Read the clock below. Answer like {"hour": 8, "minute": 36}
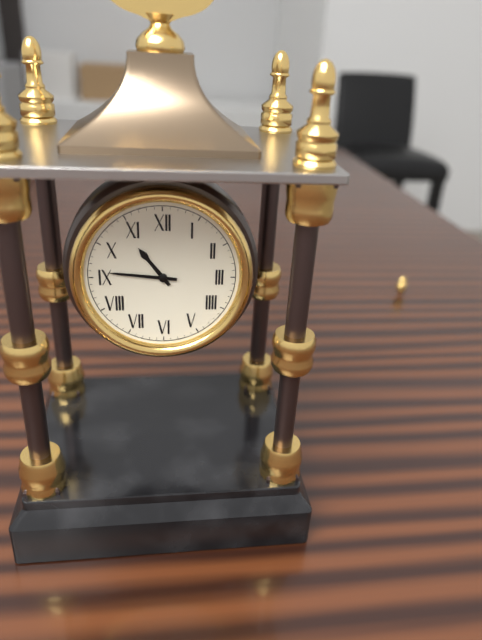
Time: {"hour": 10, "minute": 46}
